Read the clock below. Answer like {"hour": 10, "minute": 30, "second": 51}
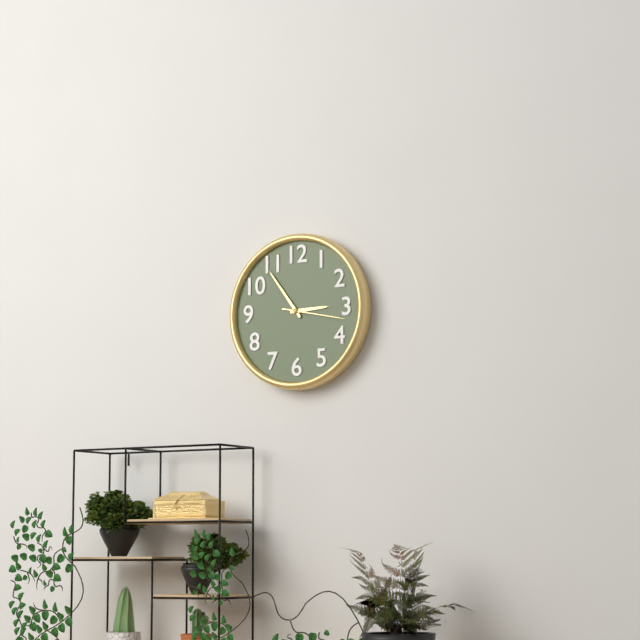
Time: {"hour": 2, "minute": 54, "second": 17}
